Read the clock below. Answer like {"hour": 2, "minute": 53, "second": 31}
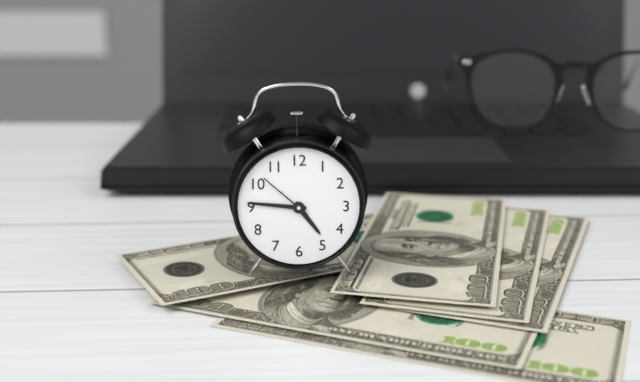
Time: {"hour": 4, "minute": 46, "second": 52}
